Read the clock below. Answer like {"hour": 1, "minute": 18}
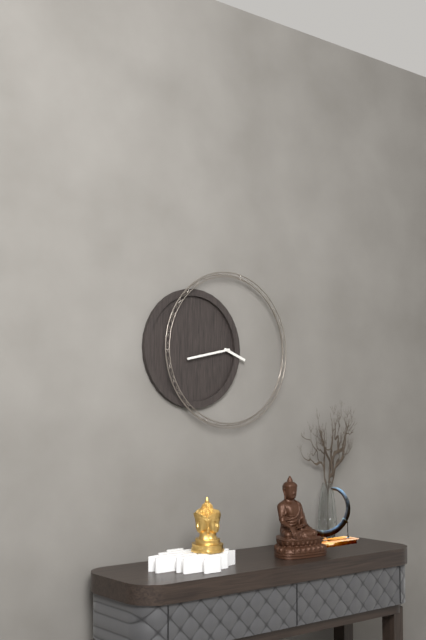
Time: {"hour": 3, "minute": 43}
